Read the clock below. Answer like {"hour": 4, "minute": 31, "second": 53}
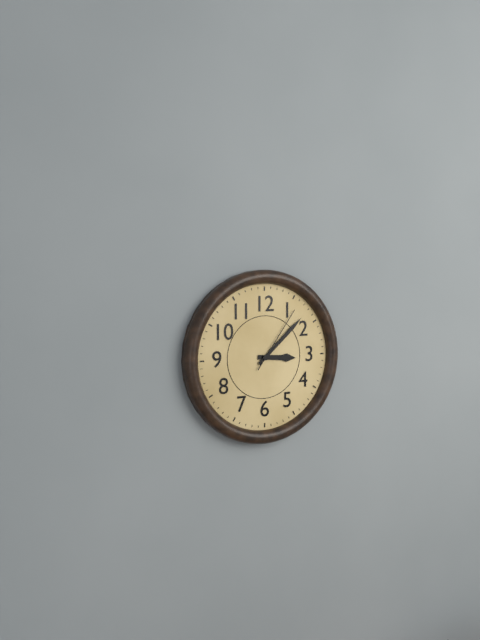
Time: {"hour": 3, "minute": 8, "second": 6}
